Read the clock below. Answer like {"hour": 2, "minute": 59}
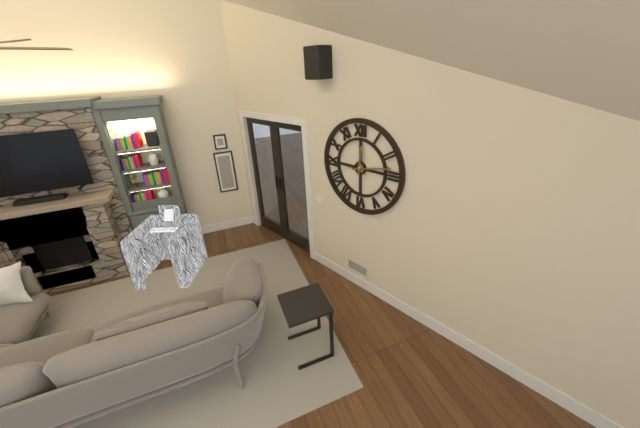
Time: {"hour": 12, "minute": 13}
